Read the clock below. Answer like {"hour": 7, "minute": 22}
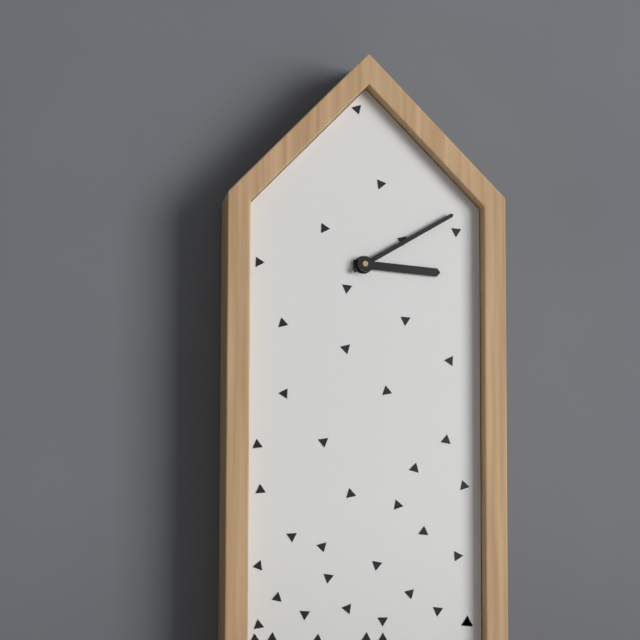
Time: {"hour": 3, "minute": 10}
